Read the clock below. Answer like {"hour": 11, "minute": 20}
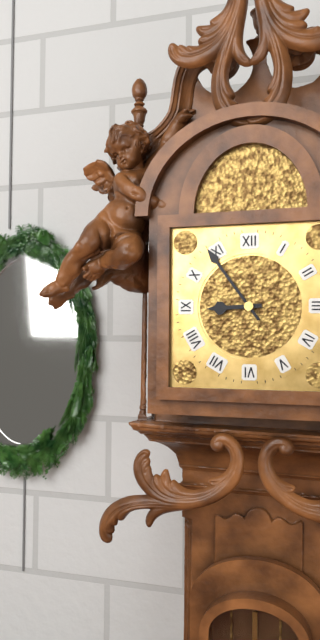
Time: {"hour": 8, "minute": 54}
